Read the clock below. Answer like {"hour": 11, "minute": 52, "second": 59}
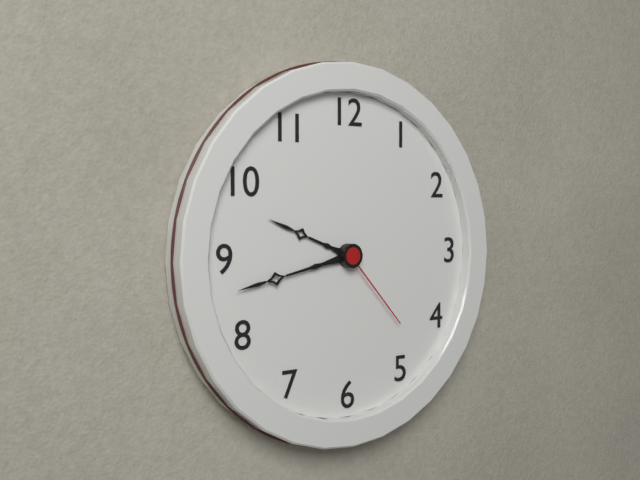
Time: {"hour": 9, "minute": 43, "second": 23}
